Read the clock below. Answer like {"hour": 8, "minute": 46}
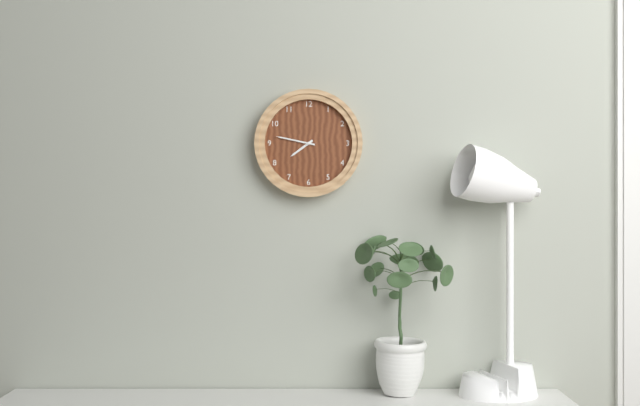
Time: {"hour": 7, "minute": 47}
